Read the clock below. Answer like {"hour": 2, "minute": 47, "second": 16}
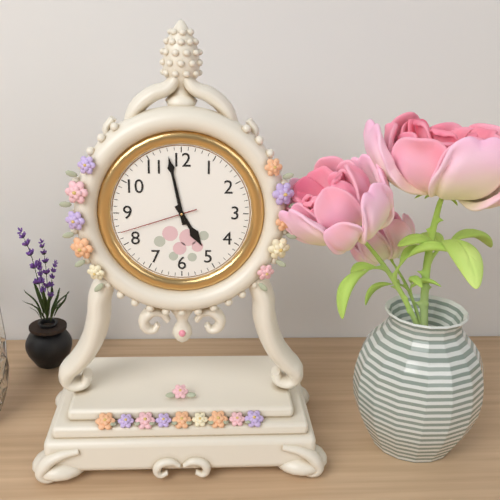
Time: {"hour": 4, "minute": 58, "second": 42}
